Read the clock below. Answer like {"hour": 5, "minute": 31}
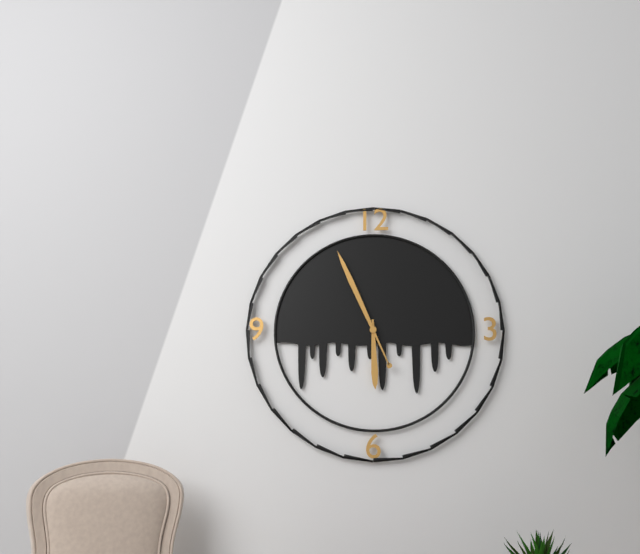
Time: {"hour": 5, "minute": 56}
